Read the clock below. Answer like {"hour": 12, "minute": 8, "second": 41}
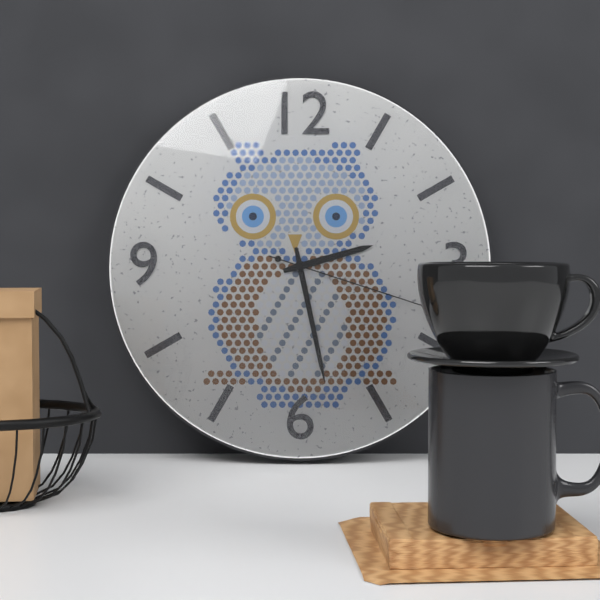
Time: {"hour": 2, "minute": 28, "second": 18}
